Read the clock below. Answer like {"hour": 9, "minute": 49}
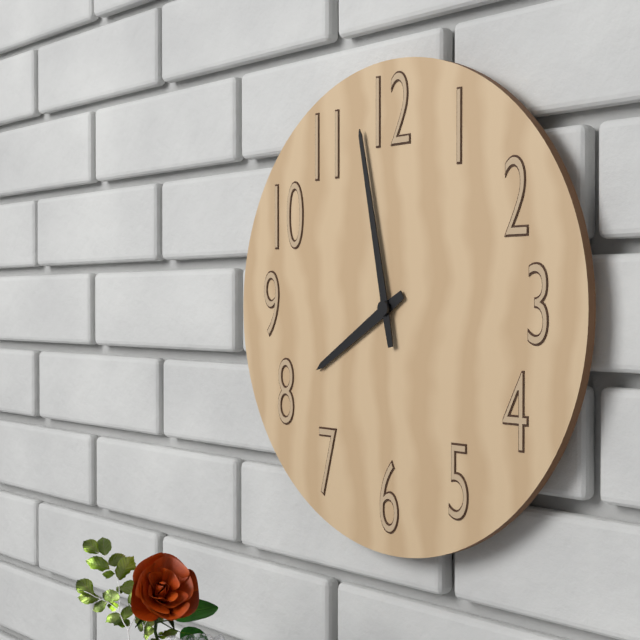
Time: {"hour": 7, "minute": 58}
